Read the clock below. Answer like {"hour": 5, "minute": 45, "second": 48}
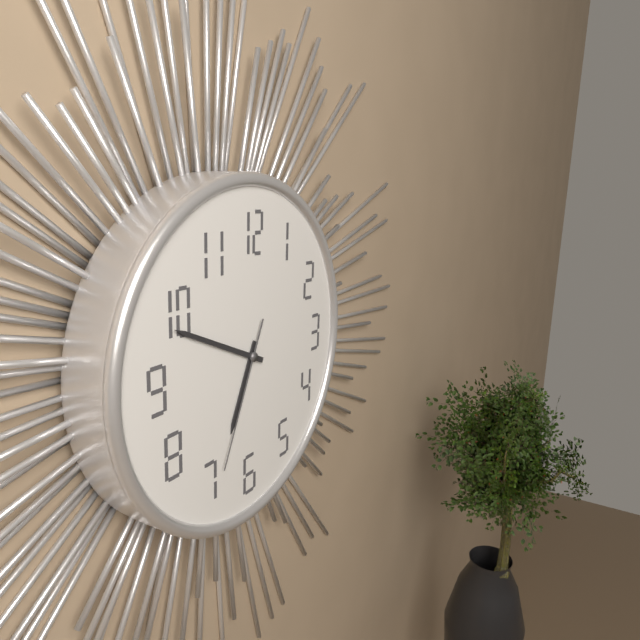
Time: {"hour": 6, "minute": 49, "second": 34}
